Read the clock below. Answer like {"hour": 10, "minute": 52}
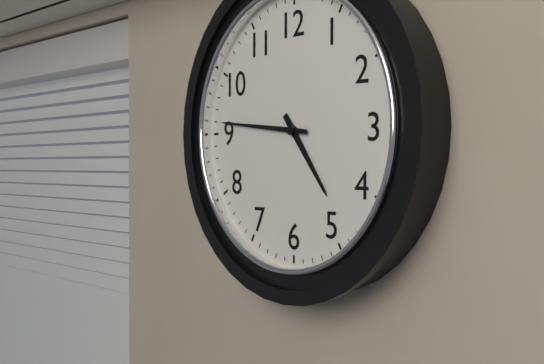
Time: {"hour": 4, "minute": 46}
